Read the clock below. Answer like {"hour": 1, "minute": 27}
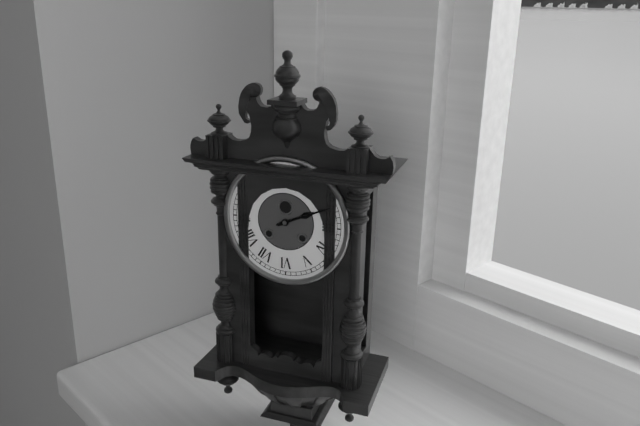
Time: {"hour": 2, "minute": 11}
